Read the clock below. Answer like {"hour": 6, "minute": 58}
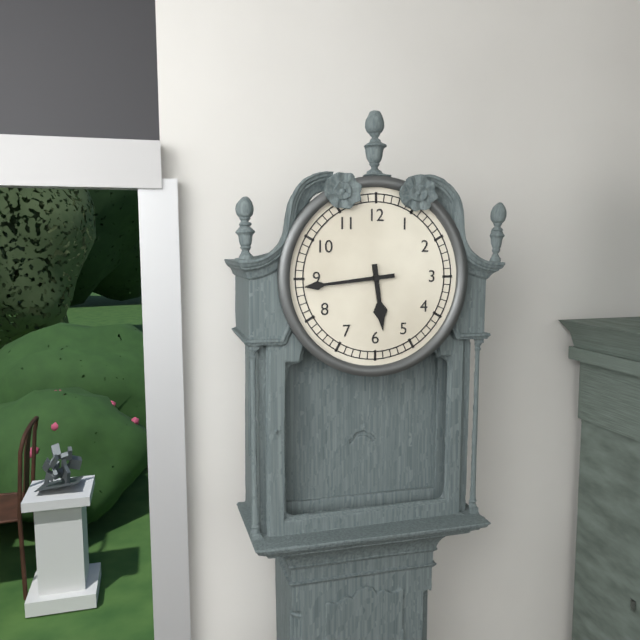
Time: {"hour": 5, "minute": 44}
